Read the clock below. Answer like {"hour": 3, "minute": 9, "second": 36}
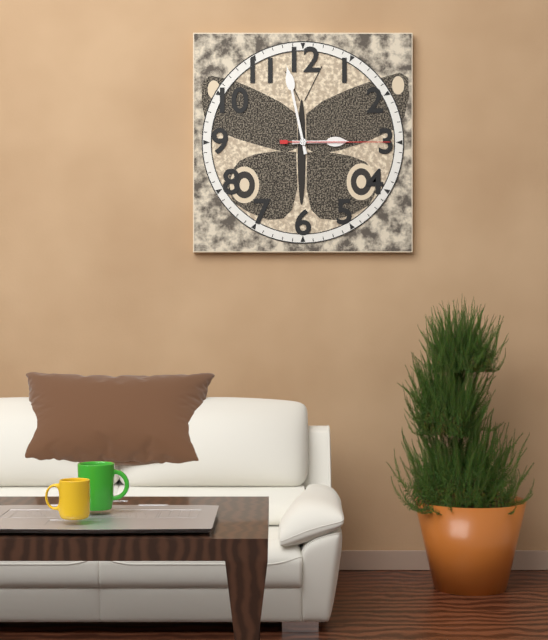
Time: {"hour": 2, "minute": 58, "second": 15}
